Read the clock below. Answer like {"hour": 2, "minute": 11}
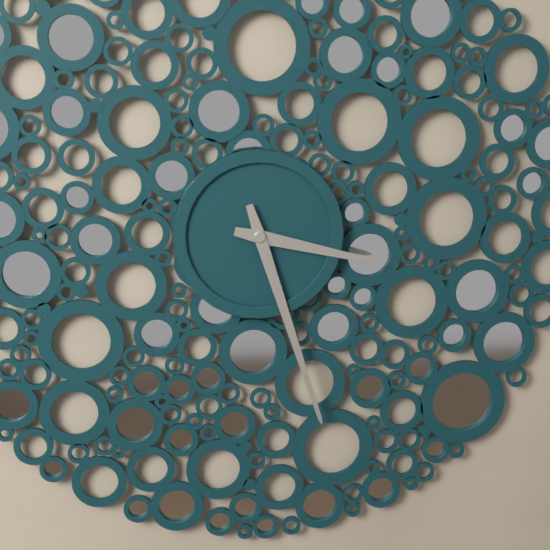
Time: {"hour": 3, "minute": 27}
